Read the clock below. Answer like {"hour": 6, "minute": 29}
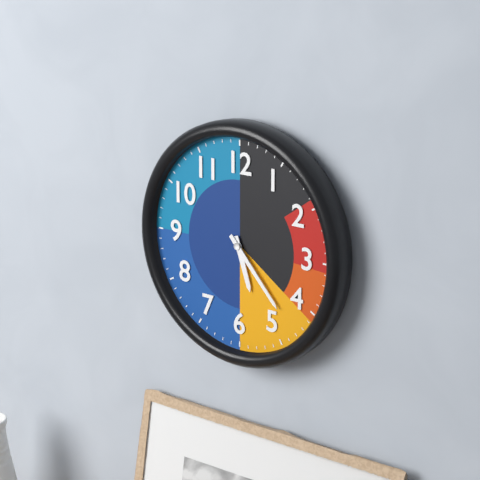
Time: {"hour": 5, "minute": 23}
